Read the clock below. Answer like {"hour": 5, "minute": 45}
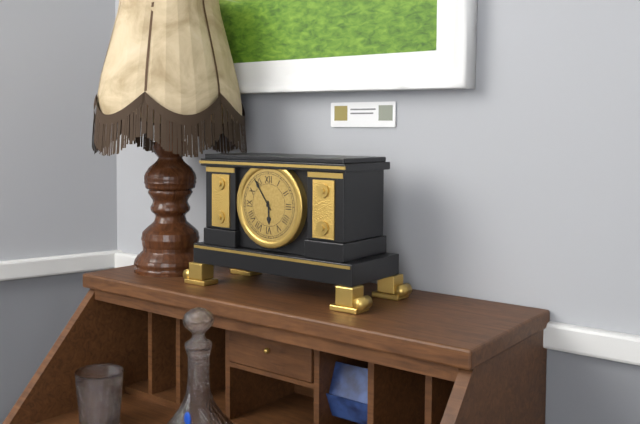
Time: {"hour": 5, "minute": 54}
